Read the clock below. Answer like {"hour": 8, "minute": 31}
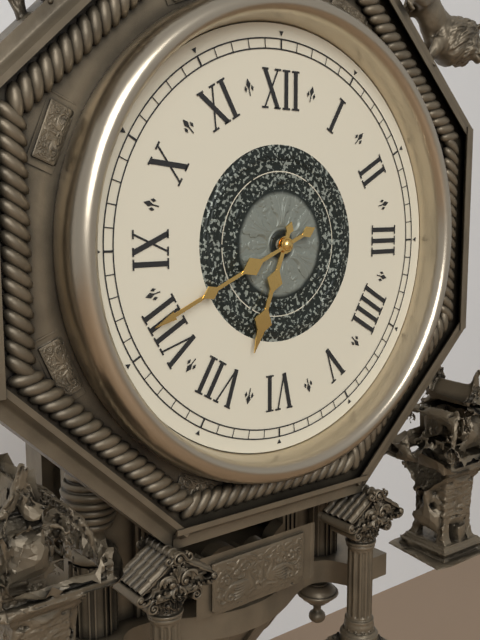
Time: {"hour": 6, "minute": 41}
